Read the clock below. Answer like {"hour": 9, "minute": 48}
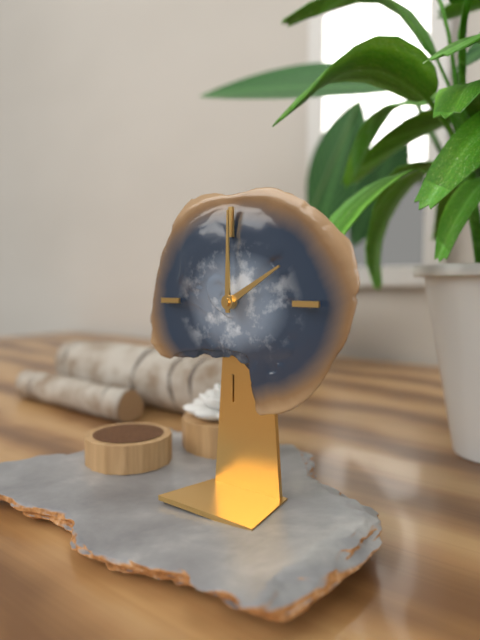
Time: {"hour": 2, "minute": 0}
